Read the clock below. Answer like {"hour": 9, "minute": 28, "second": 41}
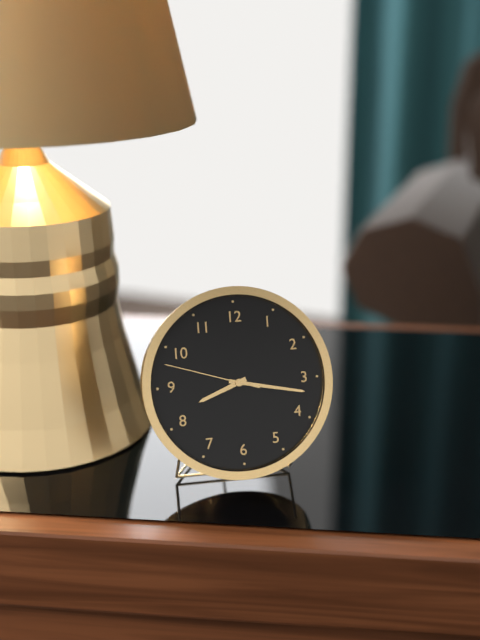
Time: {"hour": 8, "minute": 17, "second": 48}
